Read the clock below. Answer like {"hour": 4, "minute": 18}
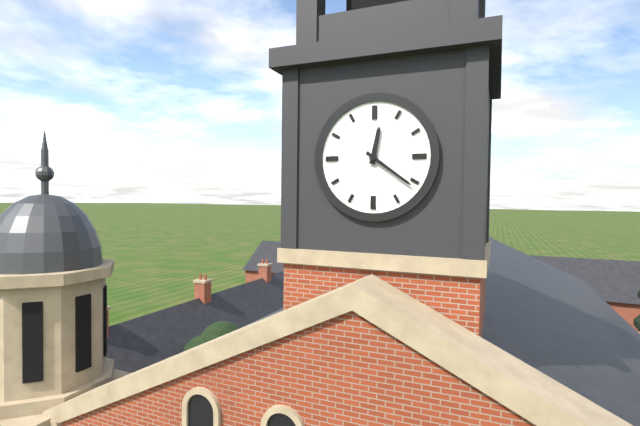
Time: {"hour": 12, "minute": 21}
